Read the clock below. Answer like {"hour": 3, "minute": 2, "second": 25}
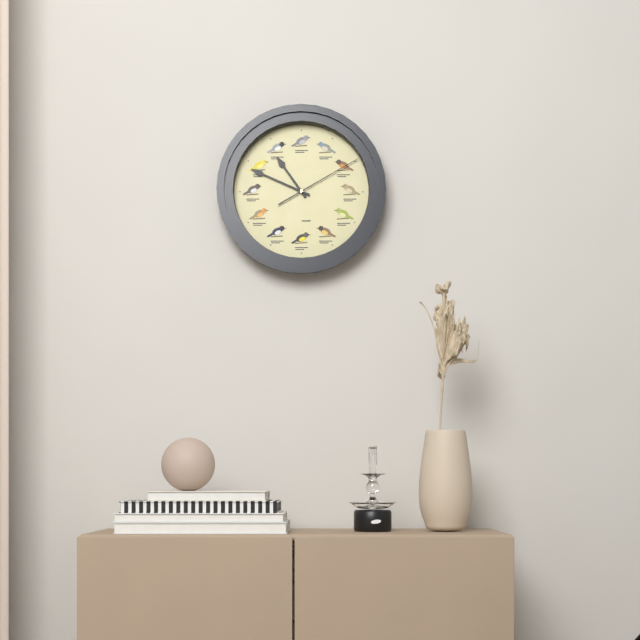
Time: {"hour": 10, "minute": 49, "second": 10}
